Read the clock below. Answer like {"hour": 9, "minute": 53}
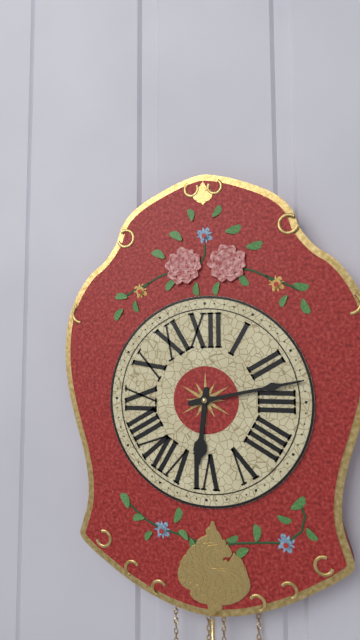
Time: {"hour": 6, "minute": 13}
